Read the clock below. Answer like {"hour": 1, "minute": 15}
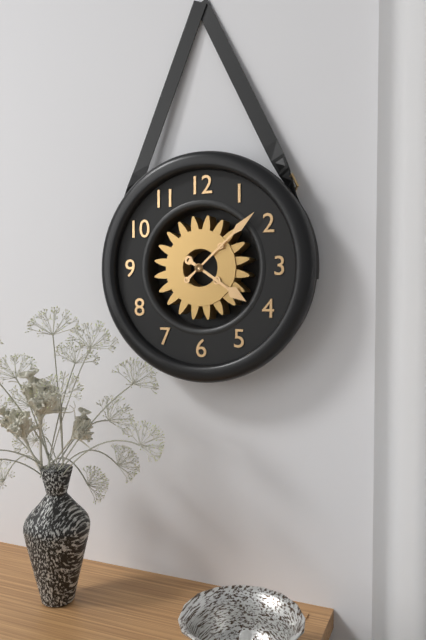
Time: {"hour": 4, "minute": 8}
